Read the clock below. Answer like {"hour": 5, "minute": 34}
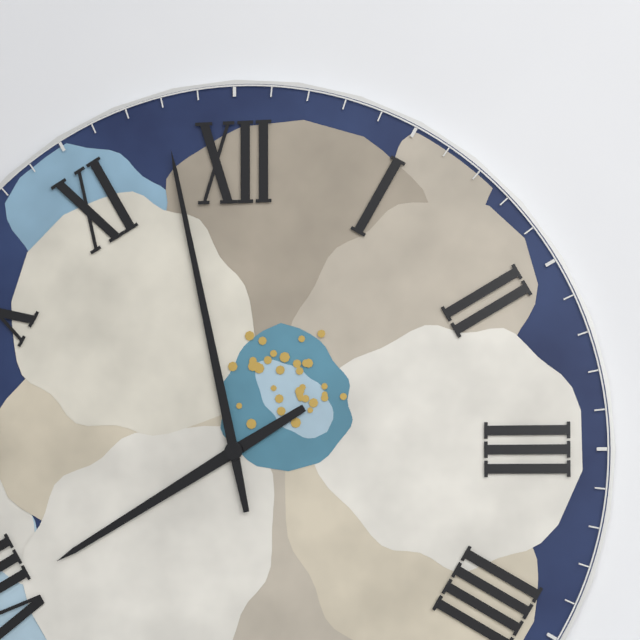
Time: {"hour": 7, "minute": 58}
